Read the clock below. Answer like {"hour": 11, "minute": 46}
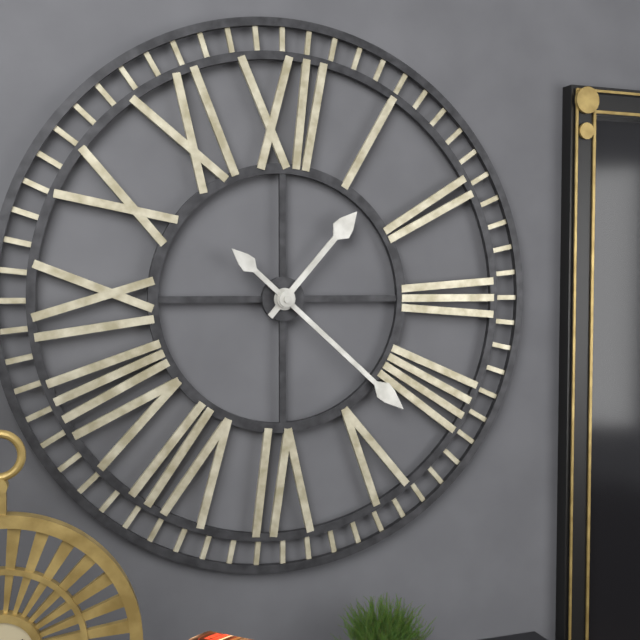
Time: {"hour": 1, "minute": 22}
